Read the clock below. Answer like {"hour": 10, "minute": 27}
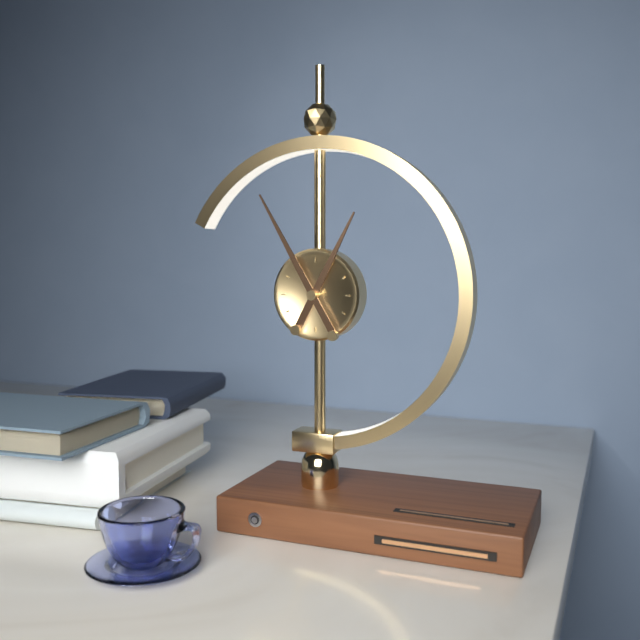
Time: {"hour": 12, "minute": 55}
